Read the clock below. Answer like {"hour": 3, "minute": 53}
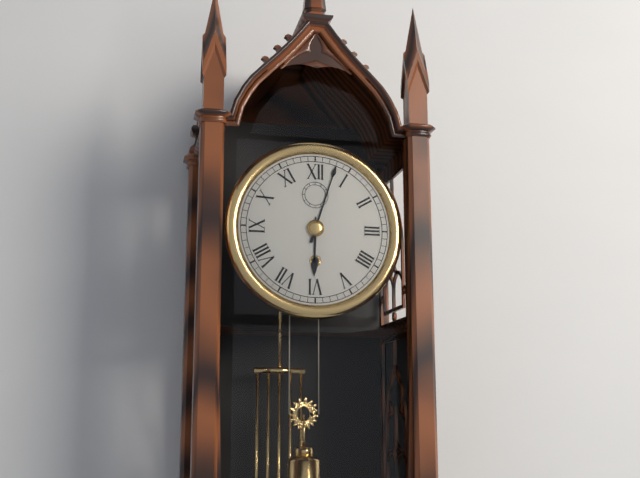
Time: {"hour": 6, "minute": 3}
